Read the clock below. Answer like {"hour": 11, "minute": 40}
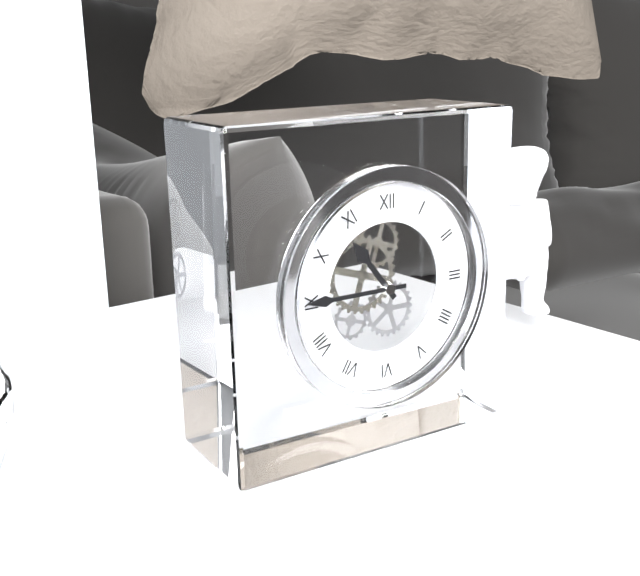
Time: {"hour": 10, "minute": 45}
